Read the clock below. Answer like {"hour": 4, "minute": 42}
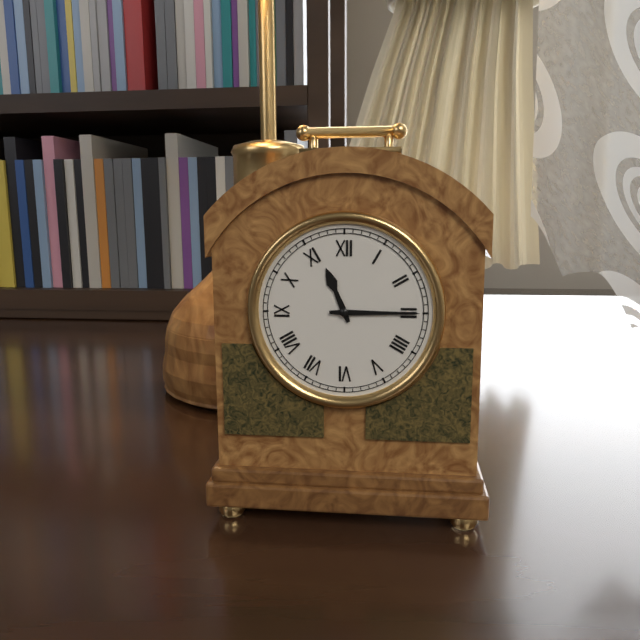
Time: {"hour": 11, "minute": 15}
